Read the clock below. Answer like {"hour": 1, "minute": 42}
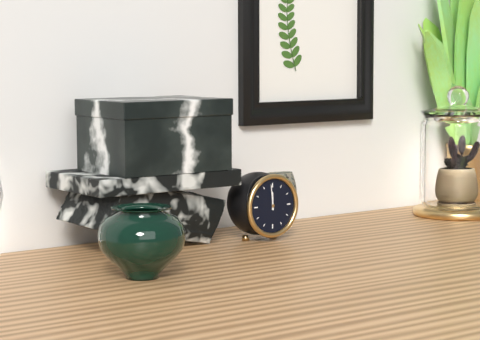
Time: {"hour": 11, "minute": 59}
